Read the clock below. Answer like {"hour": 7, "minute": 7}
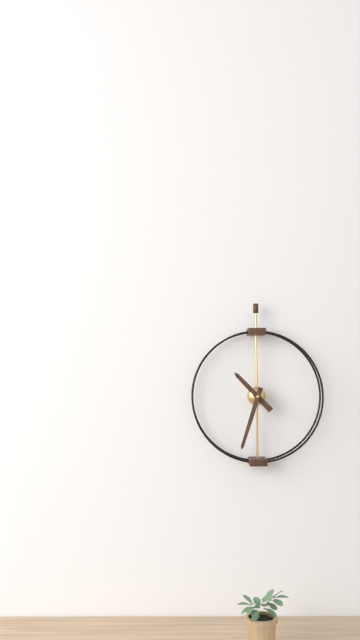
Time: {"hour": 10, "minute": 33}
